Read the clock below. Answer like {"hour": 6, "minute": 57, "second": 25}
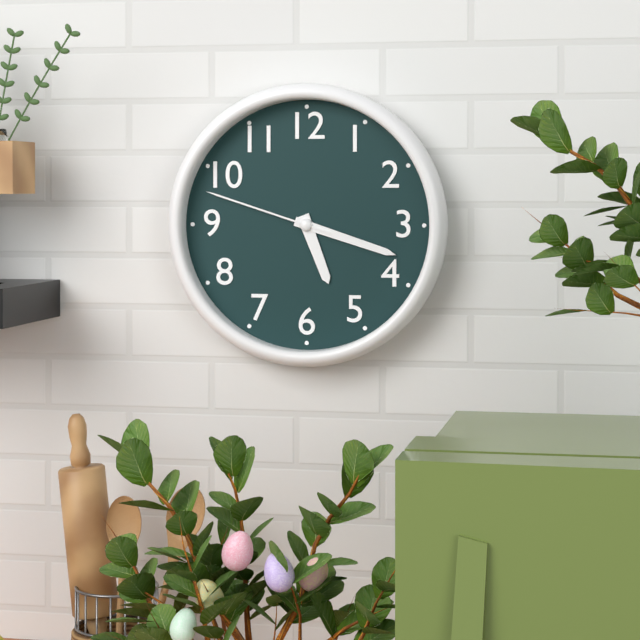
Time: {"hour": 5, "minute": 18, "second": 48}
